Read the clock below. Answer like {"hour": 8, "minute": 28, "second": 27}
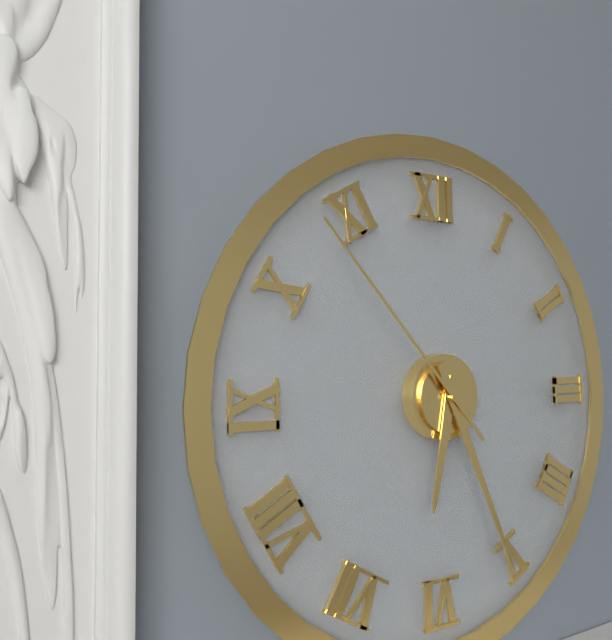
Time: {"hour": 6, "minute": 26, "second": 53}
